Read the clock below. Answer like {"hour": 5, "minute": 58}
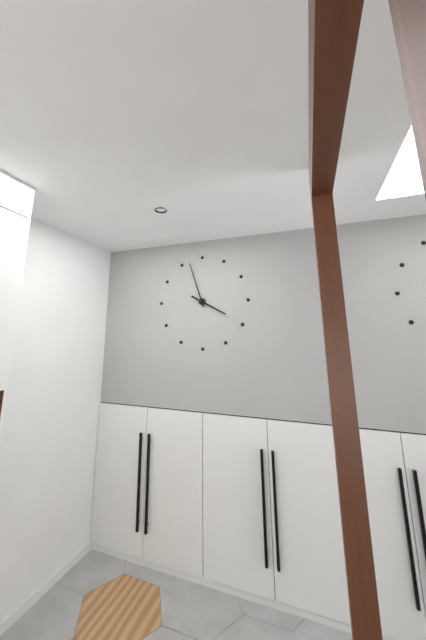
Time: {"hour": 3, "minute": 57}
